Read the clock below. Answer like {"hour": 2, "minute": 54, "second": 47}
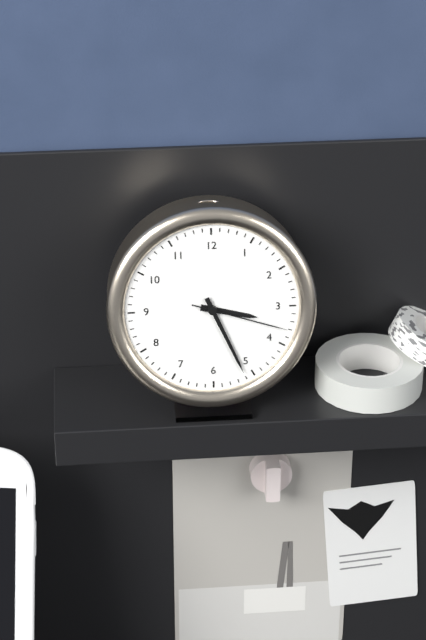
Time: {"hour": 3, "minute": 26, "second": 18}
